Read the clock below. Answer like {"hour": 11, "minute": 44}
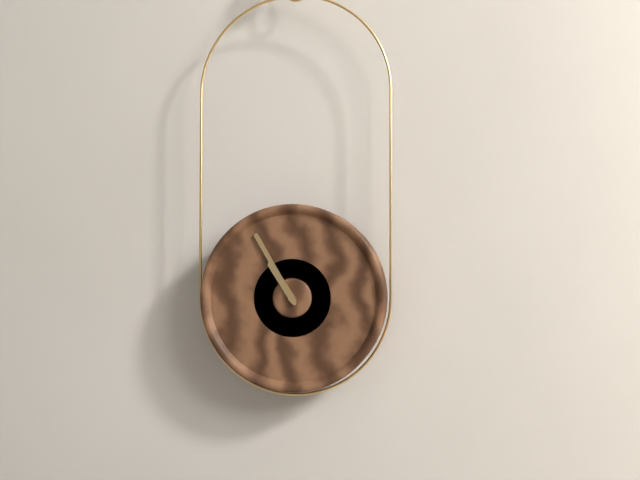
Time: {"hour": 10, "minute": 55}
